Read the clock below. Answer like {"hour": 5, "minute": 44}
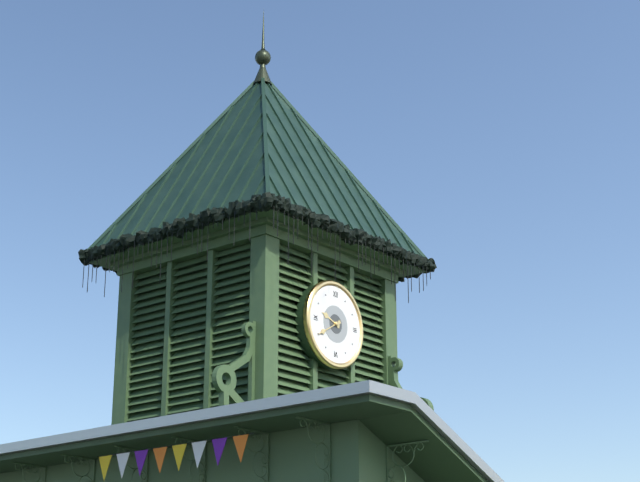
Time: {"hour": 9, "minute": 40}
